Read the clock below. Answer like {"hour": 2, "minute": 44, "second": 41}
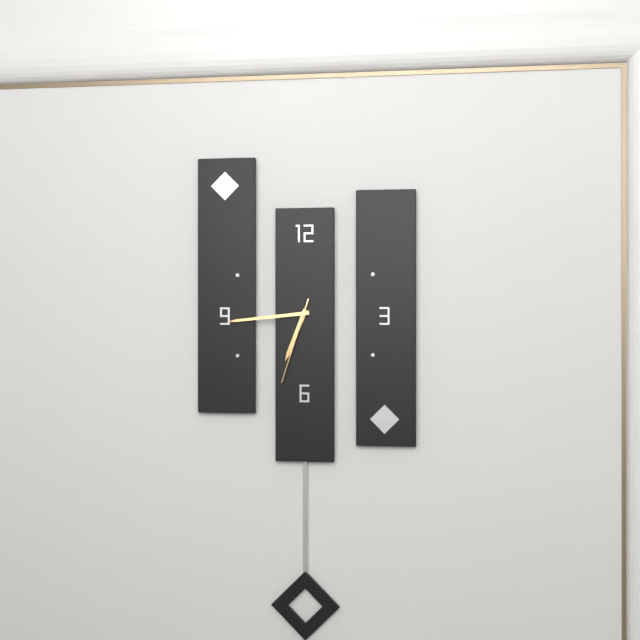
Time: {"hour": 6, "minute": 44, "second": 33}
